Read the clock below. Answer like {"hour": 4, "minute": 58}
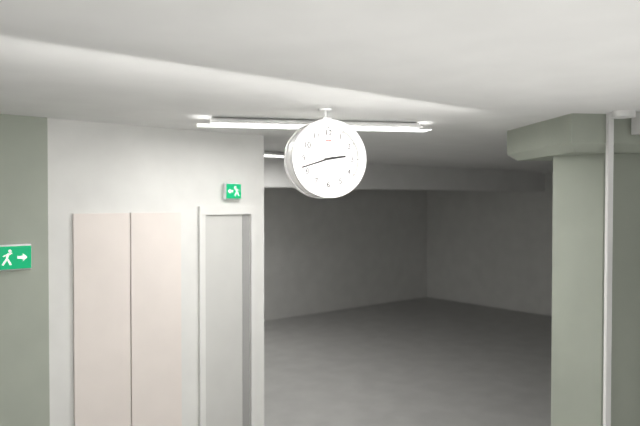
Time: {"hour": 2, "minute": 42}
